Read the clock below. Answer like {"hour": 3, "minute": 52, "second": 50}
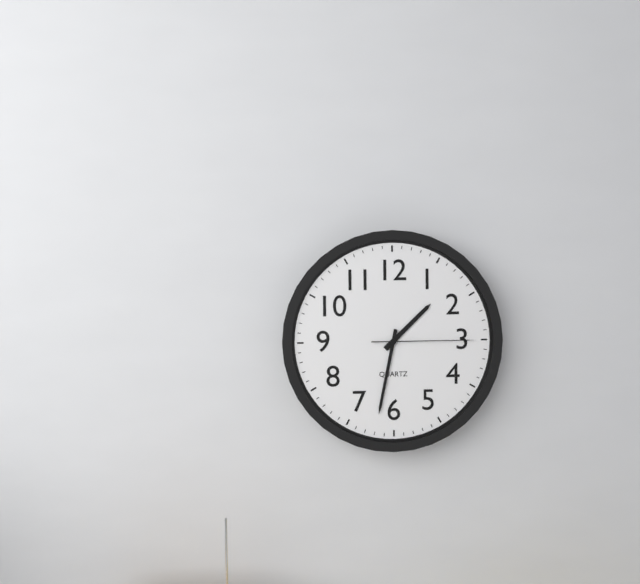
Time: {"hour": 1, "minute": 32, "second": 15}
